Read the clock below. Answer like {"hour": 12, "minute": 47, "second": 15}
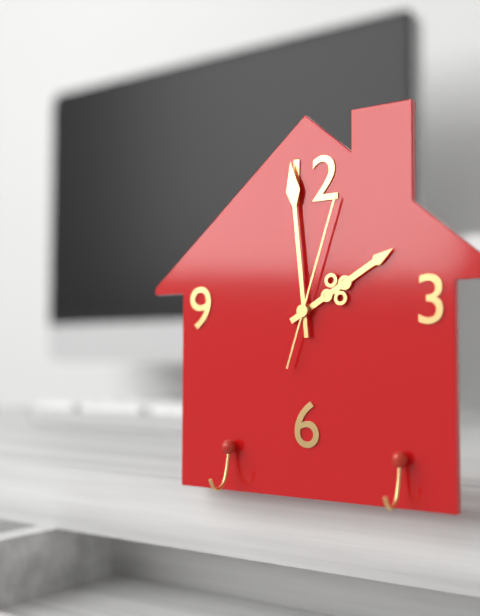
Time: {"hour": 1, "minute": 59, "second": 3}
